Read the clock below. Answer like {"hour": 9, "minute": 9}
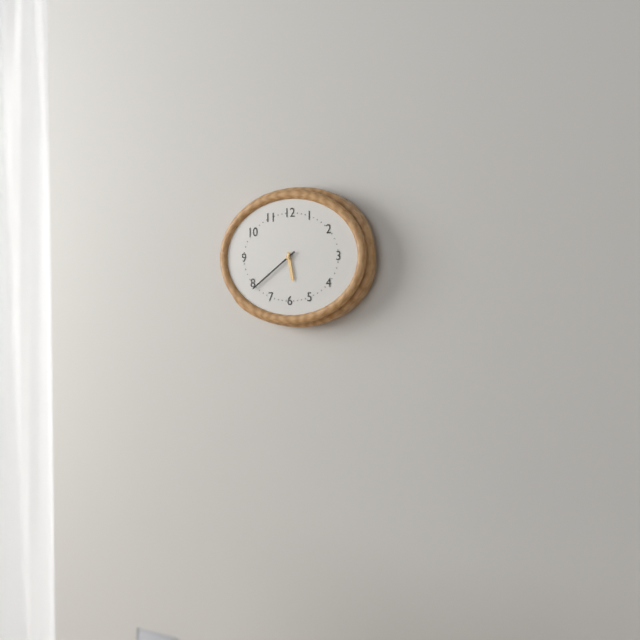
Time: {"hour": 5, "minute": 39}
